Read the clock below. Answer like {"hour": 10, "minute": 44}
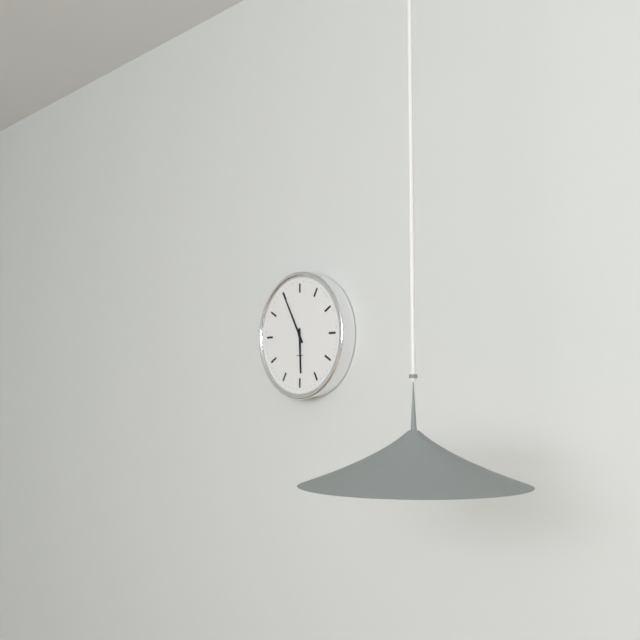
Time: {"hour": 5, "minute": 55}
